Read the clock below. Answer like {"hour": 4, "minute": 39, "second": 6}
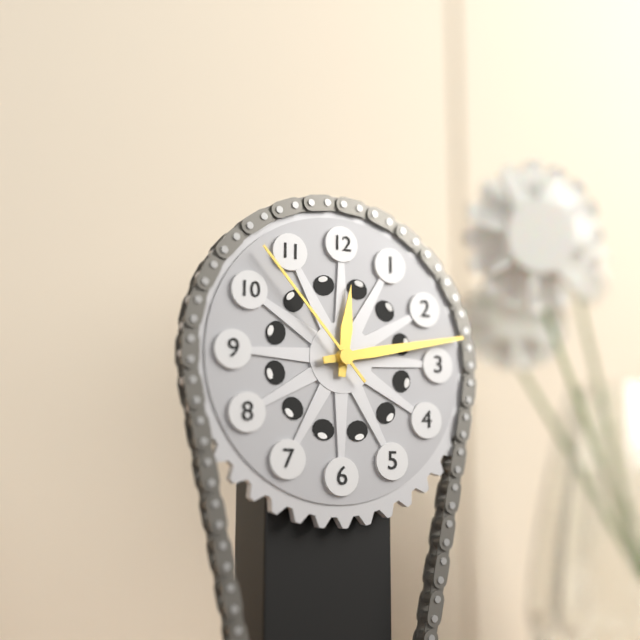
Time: {"hour": 12, "minute": 13, "second": 53}
